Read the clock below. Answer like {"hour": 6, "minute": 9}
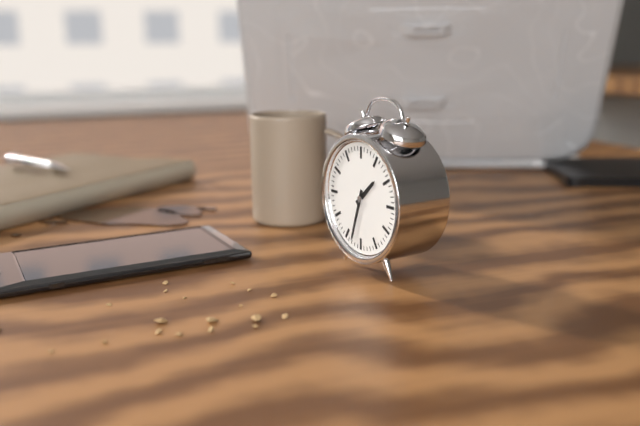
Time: {"hour": 1, "minute": 33}
